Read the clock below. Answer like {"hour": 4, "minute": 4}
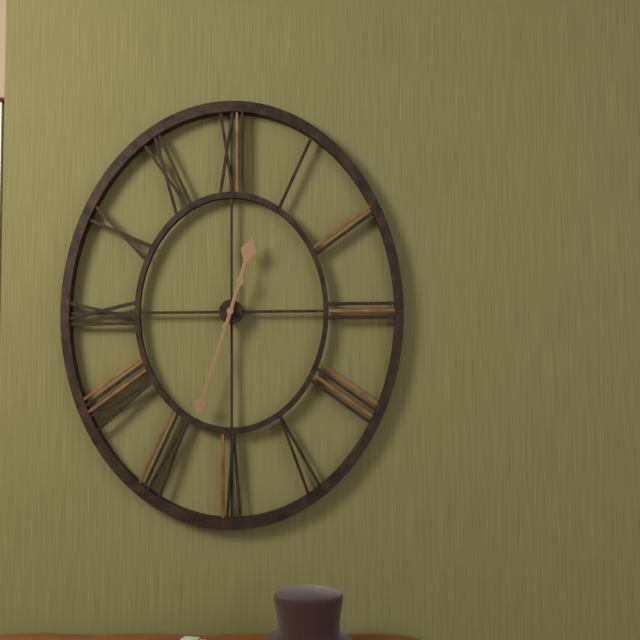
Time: {"hour": 12, "minute": 33}
